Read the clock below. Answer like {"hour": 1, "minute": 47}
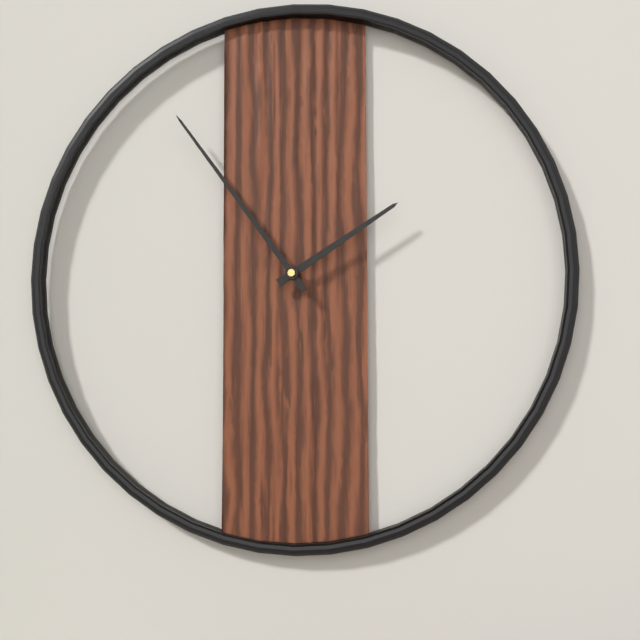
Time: {"hour": 1, "minute": 54}
